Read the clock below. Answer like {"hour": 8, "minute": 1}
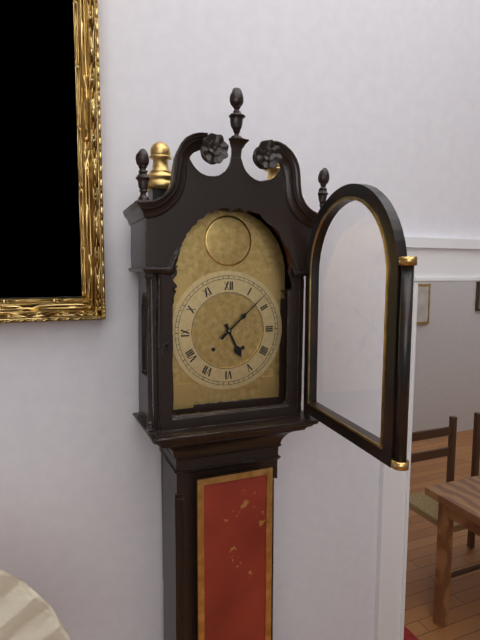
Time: {"hour": 5, "minute": 8}
